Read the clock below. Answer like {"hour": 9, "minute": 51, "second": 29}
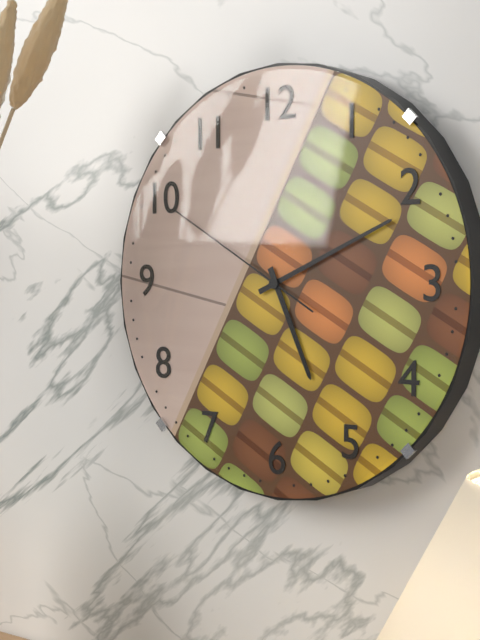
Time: {"hour": 5, "minute": 11, "second": 50}
